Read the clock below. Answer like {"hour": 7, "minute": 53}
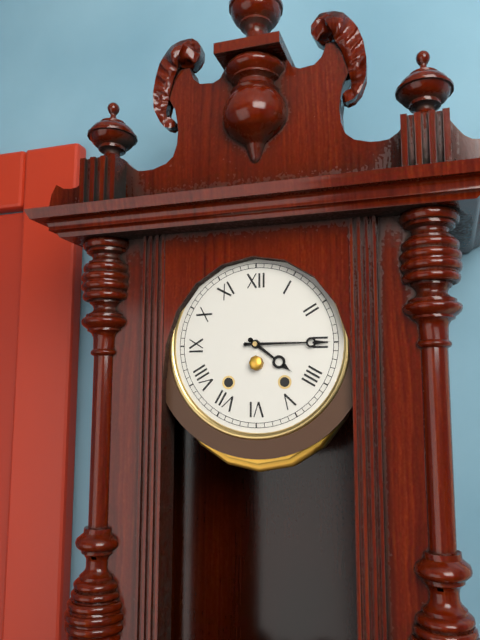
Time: {"hour": 4, "minute": 15}
